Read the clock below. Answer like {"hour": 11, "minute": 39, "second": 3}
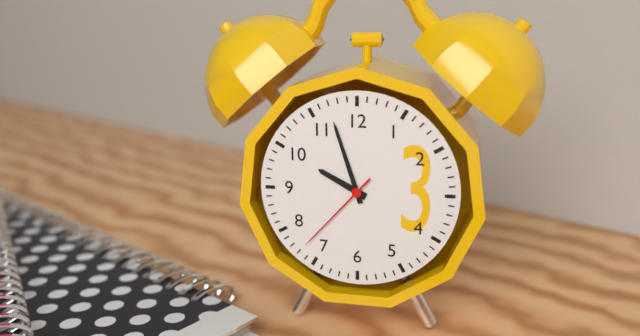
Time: {"hour": 9, "minute": 57, "second": 37}
